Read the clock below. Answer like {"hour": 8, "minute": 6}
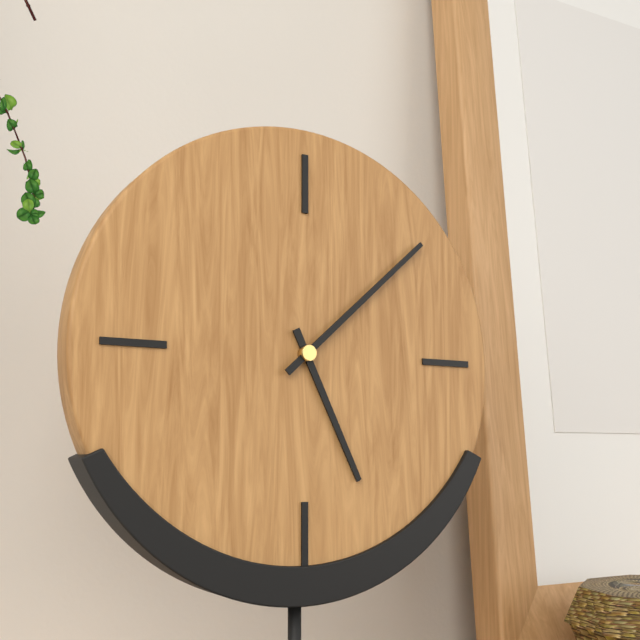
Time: {"hour": 5, "minute": 8}
